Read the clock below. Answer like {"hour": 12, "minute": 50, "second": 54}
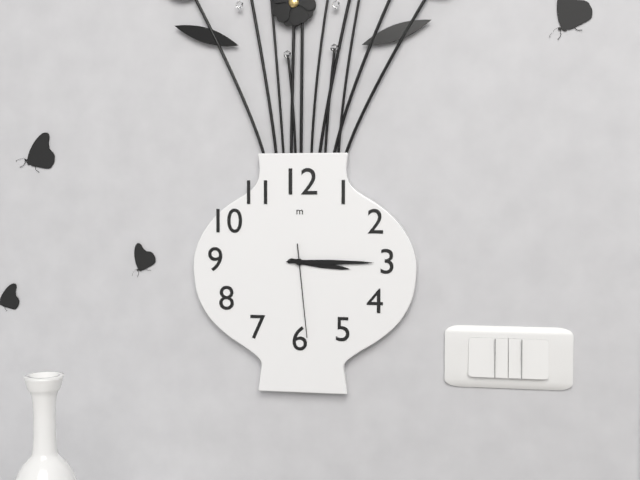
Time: {"hour": 3, "minute": 15, "second": 29}
